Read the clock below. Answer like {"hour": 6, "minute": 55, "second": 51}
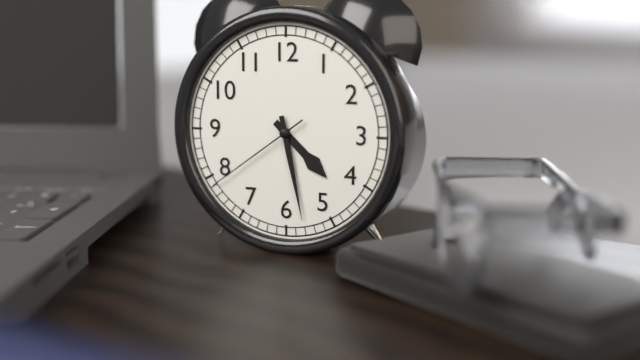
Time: {"hour": 4, "minute": 28, "second": 39}
